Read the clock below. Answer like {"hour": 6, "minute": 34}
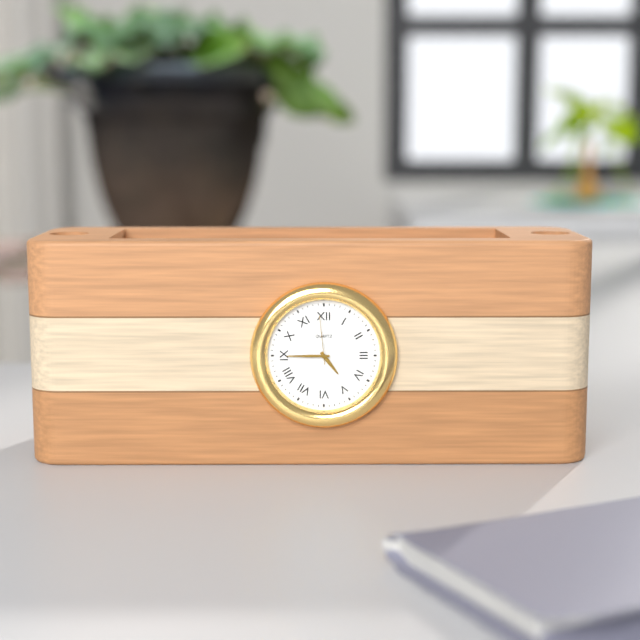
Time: {"hour": 4, "minute": 45}
